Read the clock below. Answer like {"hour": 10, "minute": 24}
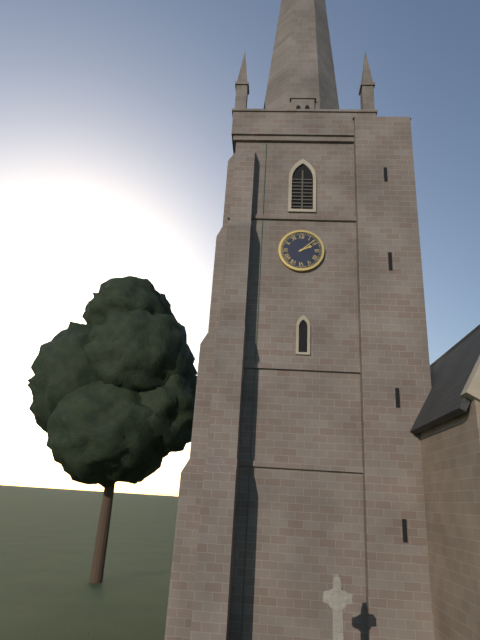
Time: {"hour": 2, "minute": 8}
